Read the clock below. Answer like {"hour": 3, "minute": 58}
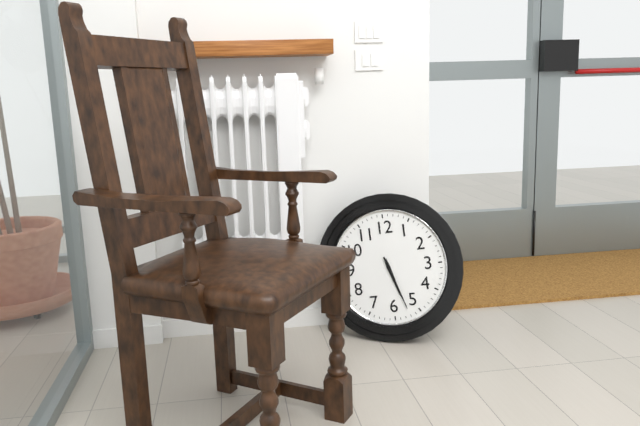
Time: {"hour": 5, "minute": 27}
